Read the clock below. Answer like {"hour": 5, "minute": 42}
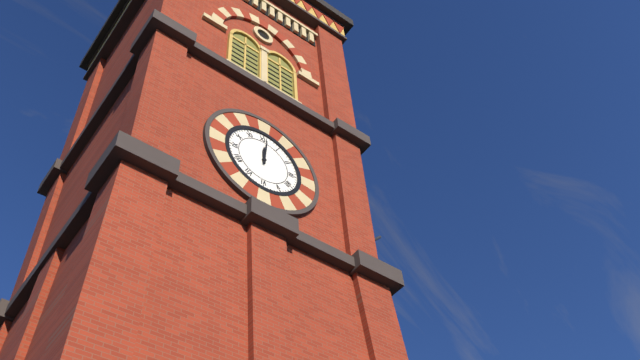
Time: {"hour": 12, "minute": 1}
